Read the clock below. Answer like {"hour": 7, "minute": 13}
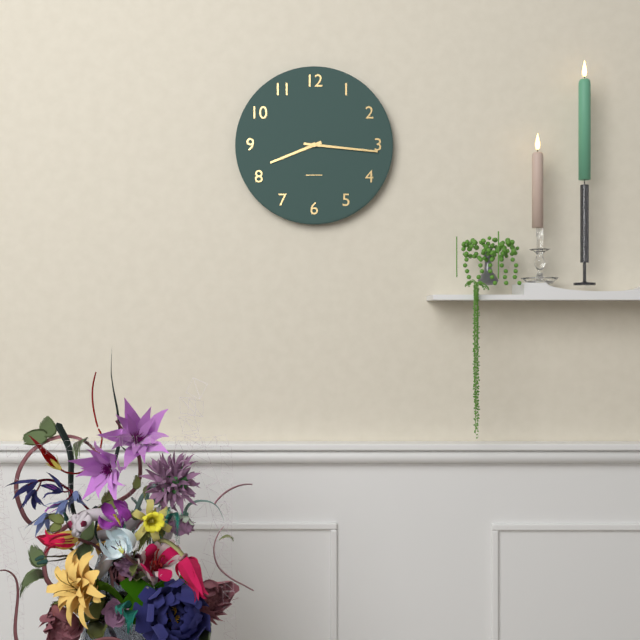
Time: {"hour": 8, "minute": 16}
